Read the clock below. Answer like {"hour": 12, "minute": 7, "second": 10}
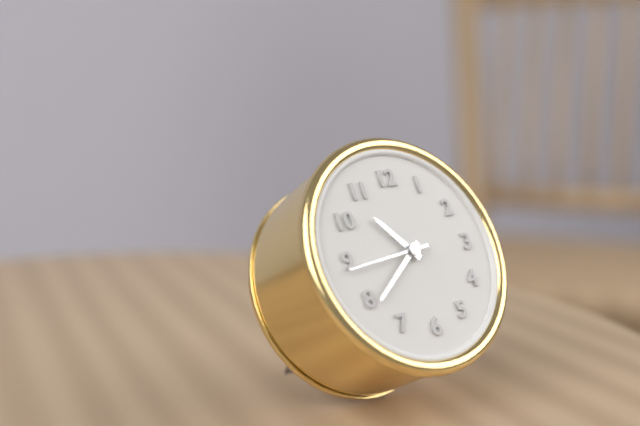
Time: {"hour": 10, "minute": 39, "second": 44}
